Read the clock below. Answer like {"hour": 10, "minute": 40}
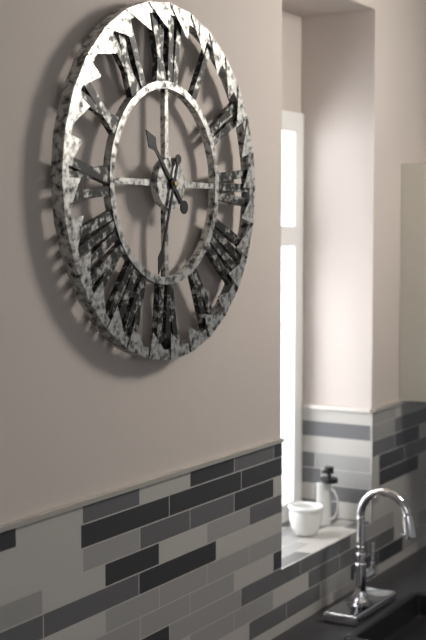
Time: {"hour": 10, "minute": 33}
